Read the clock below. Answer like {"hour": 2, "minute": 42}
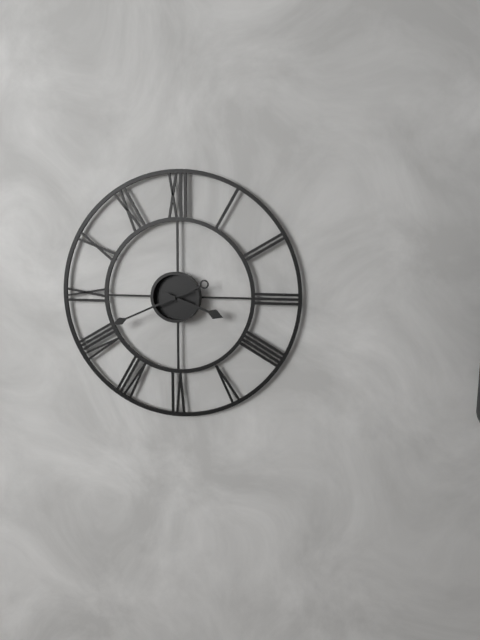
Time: {"hour": 3, "minute": 41}
